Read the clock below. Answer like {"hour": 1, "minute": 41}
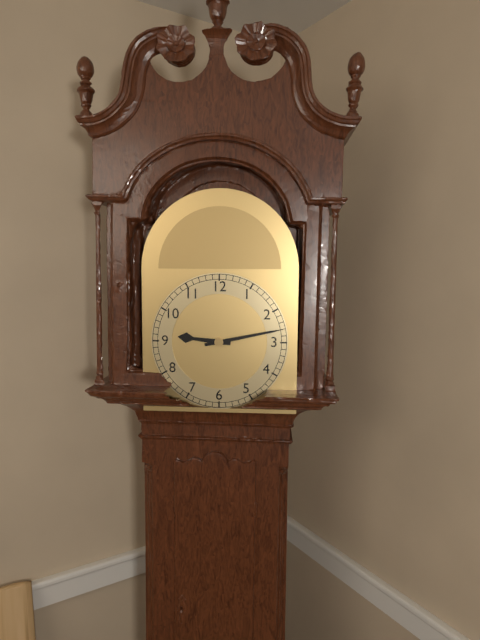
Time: {"hour": 9, "minute": 13}
